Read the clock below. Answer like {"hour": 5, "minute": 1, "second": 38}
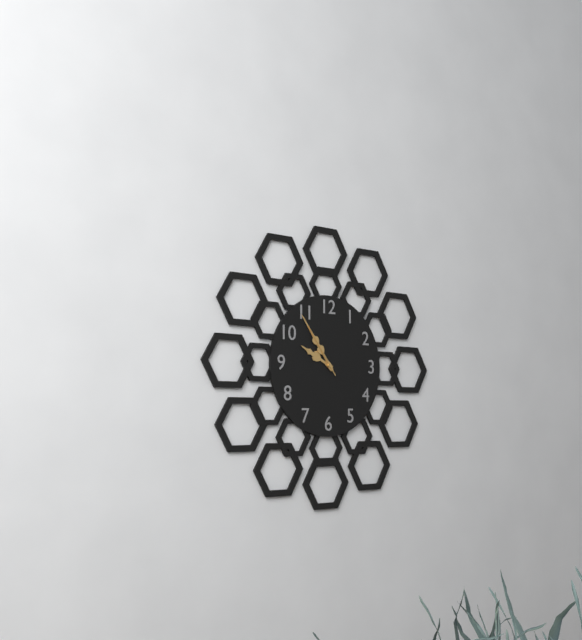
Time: {"hour": 9, "minute": 54, "second": 54}
